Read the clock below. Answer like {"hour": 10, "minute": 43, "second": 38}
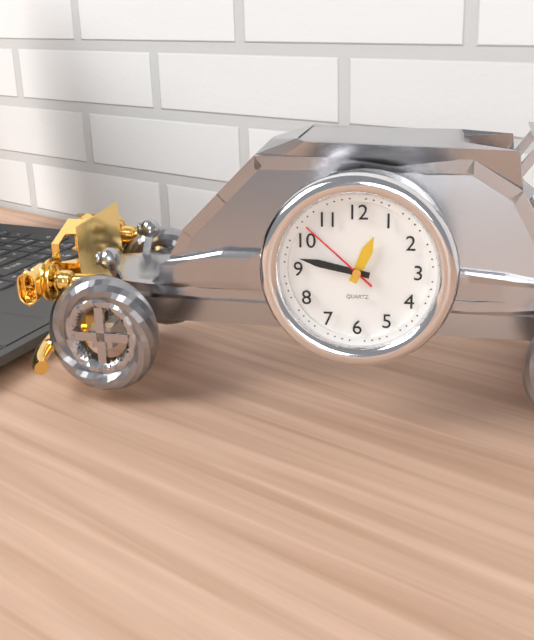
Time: {"hour": 12, "minute": 47, "second": 52}
